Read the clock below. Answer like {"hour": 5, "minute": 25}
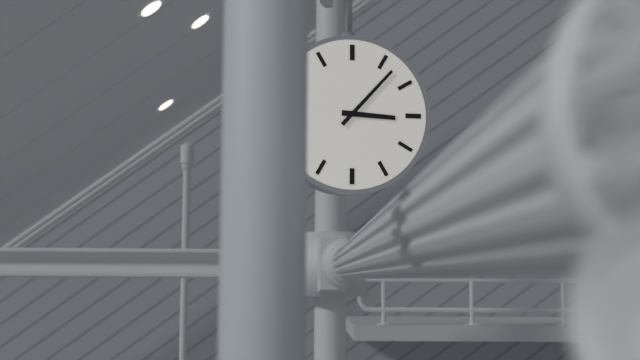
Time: {"hour": 3, "minute": 7}
